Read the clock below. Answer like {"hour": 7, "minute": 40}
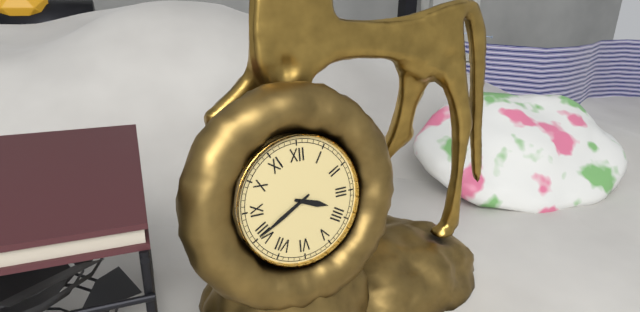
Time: {"hour": 3, "minute": 40}
